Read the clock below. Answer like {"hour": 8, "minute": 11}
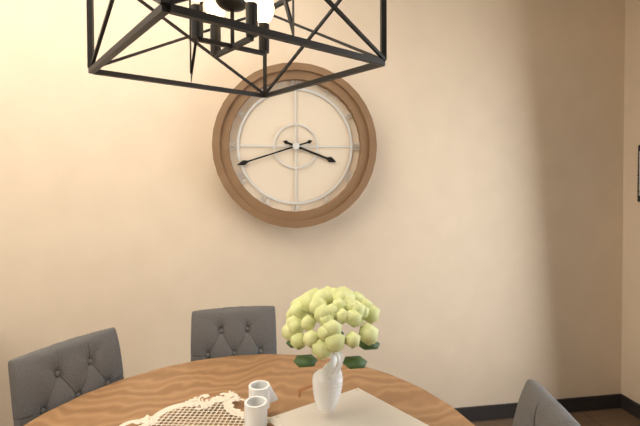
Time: {"hour": 3, "minute": 42}
